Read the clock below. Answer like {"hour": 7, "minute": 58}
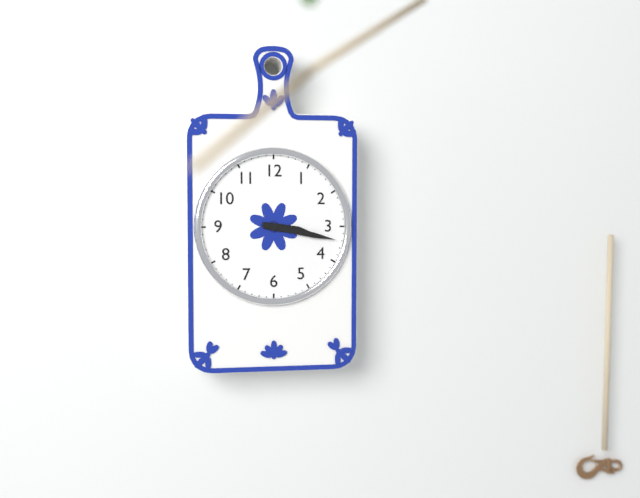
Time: {"hour": 3, "minute": 17}
